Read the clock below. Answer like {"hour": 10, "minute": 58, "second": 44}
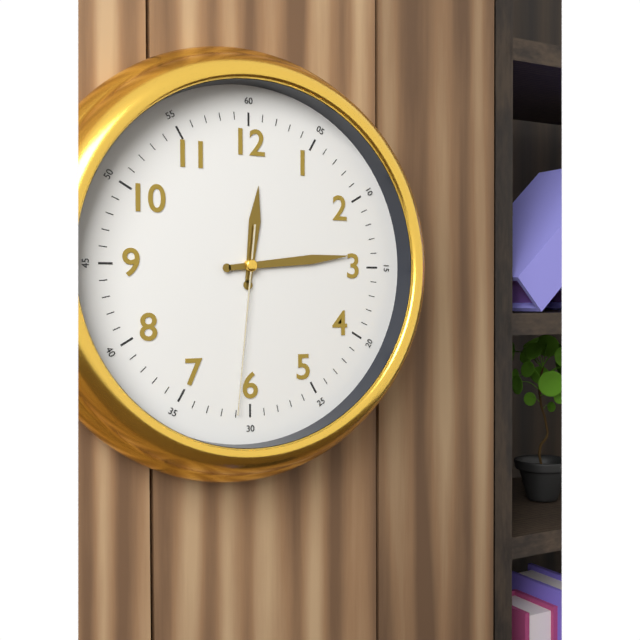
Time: {"hour": 12, "minute": 14, "second": 31}
